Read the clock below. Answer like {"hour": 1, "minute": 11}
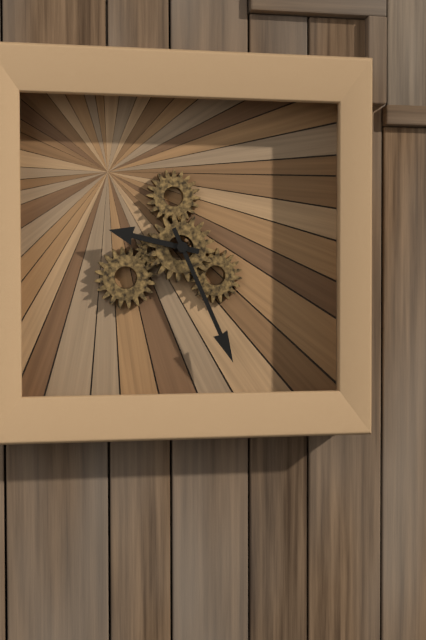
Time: {"hour": 9, "minute": 26}
